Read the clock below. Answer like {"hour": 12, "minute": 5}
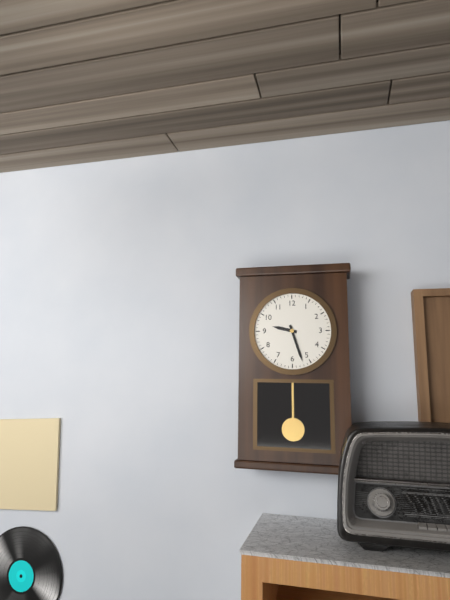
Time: {"hour": 9, "minute": 27}
